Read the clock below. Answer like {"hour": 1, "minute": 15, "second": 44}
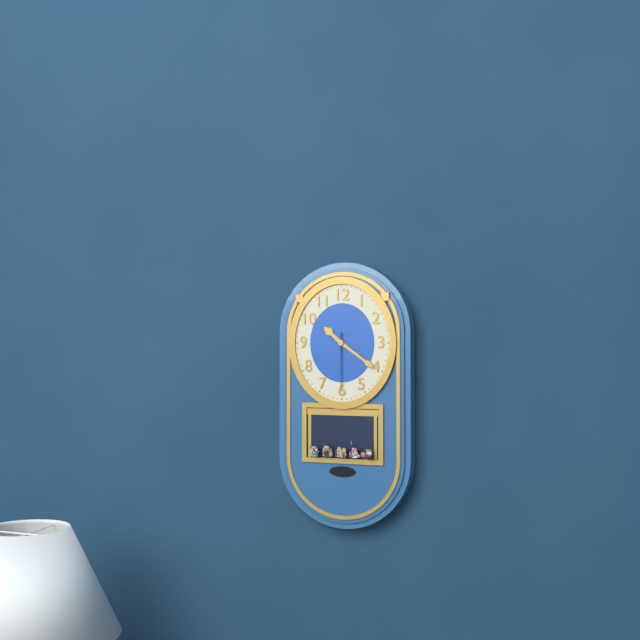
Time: {"hour": 10, "minute": 21, "second": 30}
